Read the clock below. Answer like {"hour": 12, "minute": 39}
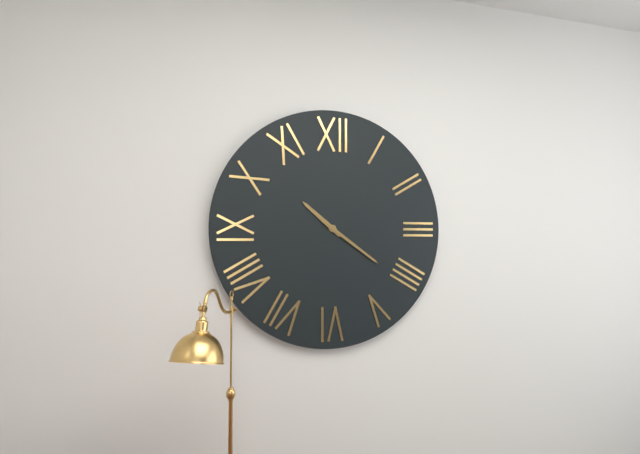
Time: {"hour": 10, "minute": 21}
